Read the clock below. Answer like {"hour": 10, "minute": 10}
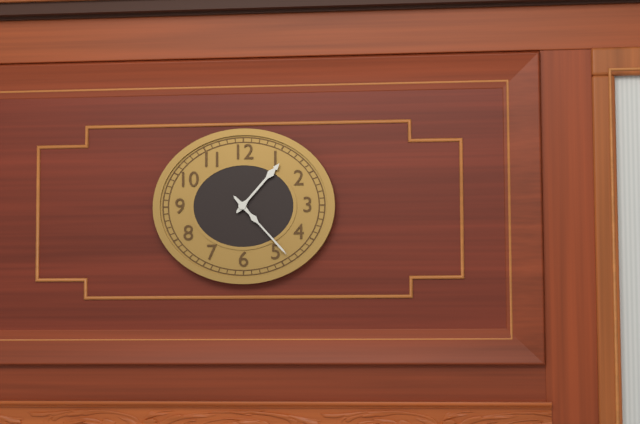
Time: {"hour": 1, "minute": 23}
